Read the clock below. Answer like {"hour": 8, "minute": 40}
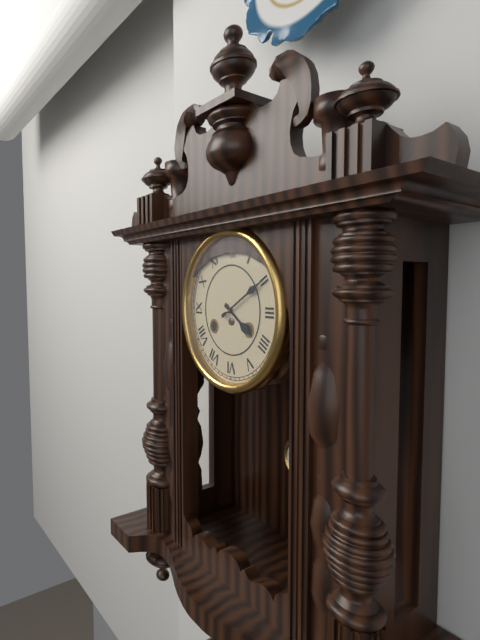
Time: {"hour": 4, "minute": 10}
